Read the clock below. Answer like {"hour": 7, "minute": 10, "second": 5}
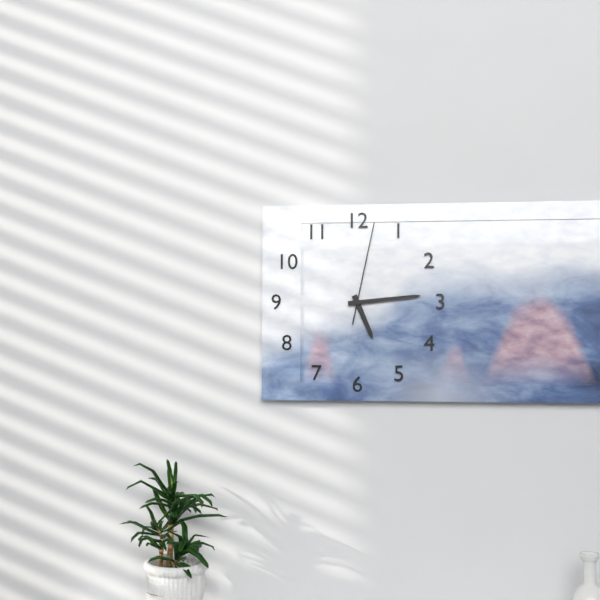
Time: {"hour": 5, "minute": 14, "second": 2}
